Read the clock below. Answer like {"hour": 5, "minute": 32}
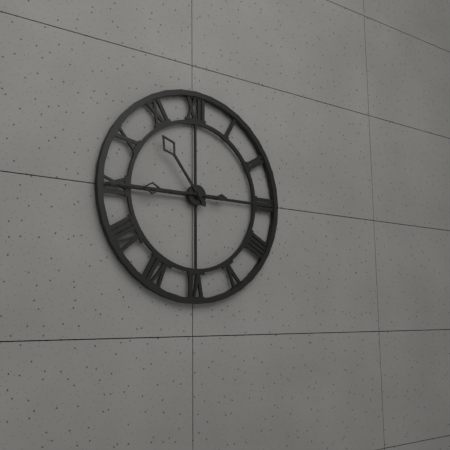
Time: {"hour": 10, "minute": 45}
